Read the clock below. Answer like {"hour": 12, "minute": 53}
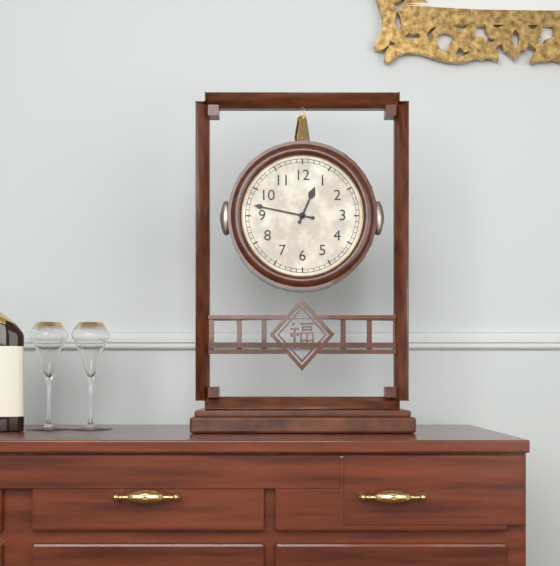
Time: {"hour": 12, "minute": 47}
